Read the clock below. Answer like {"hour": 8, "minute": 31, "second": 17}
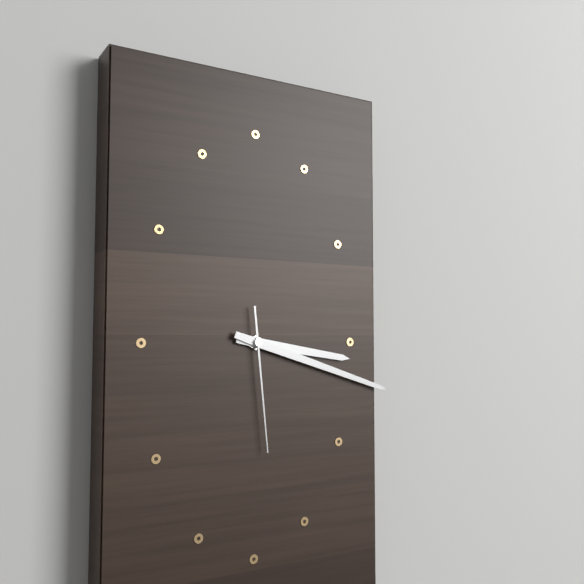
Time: {"hour": 3, "minute": 18, "second": 29}
